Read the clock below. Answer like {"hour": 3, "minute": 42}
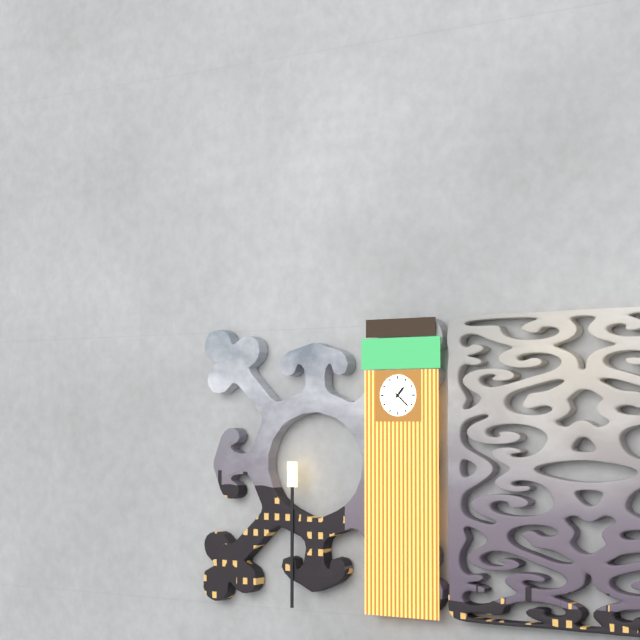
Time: {"hour": 1, "minute": 22}
